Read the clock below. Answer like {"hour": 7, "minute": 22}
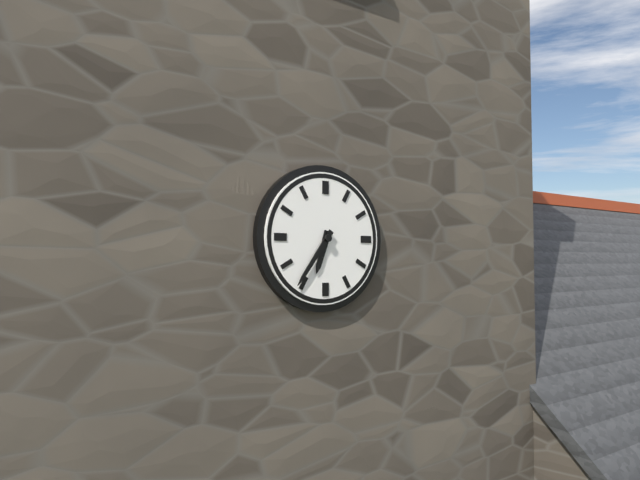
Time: {"hour": 6, "minute": 36}
